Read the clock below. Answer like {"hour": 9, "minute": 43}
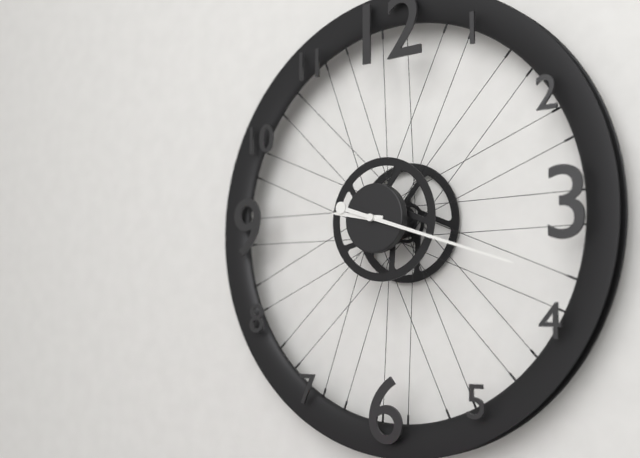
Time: {"hour": 9, "minute": 18}
